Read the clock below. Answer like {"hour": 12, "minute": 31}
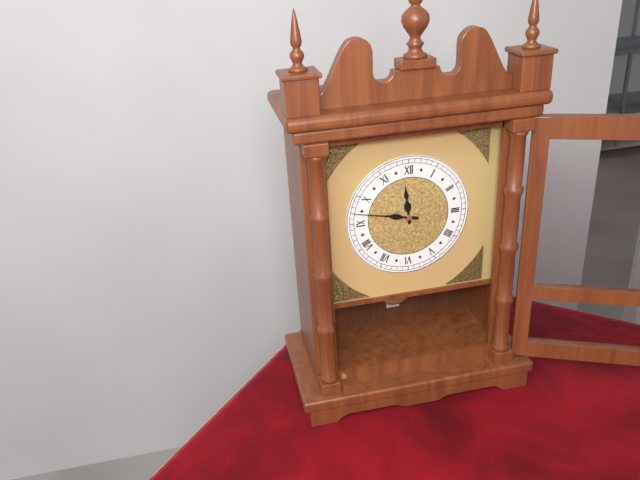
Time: {"hour": 11, "minute": 47}
